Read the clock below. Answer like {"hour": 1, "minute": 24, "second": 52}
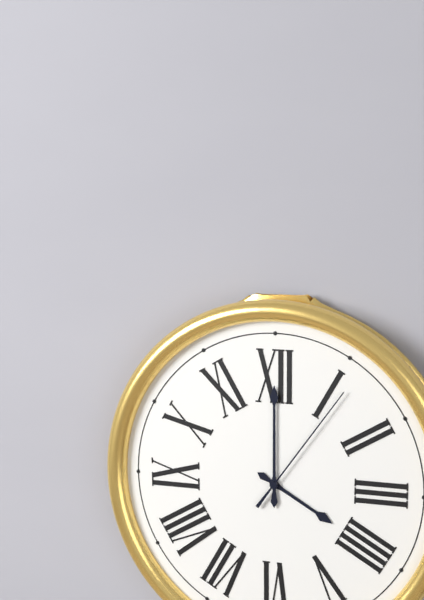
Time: {"hour": 4, "minute": 0, "second": 6}
